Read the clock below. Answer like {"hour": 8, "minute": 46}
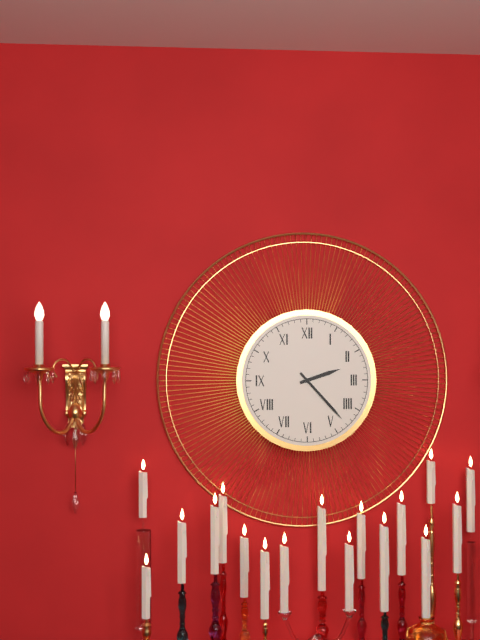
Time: {"hour": 2, "minute": 23}
